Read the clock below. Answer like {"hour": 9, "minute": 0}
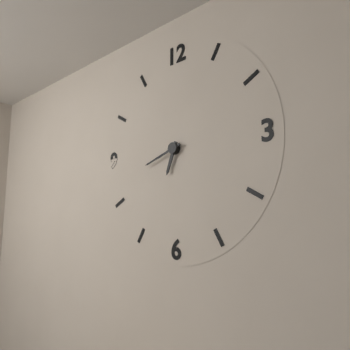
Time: {"hour": 6, "minute": 42}
